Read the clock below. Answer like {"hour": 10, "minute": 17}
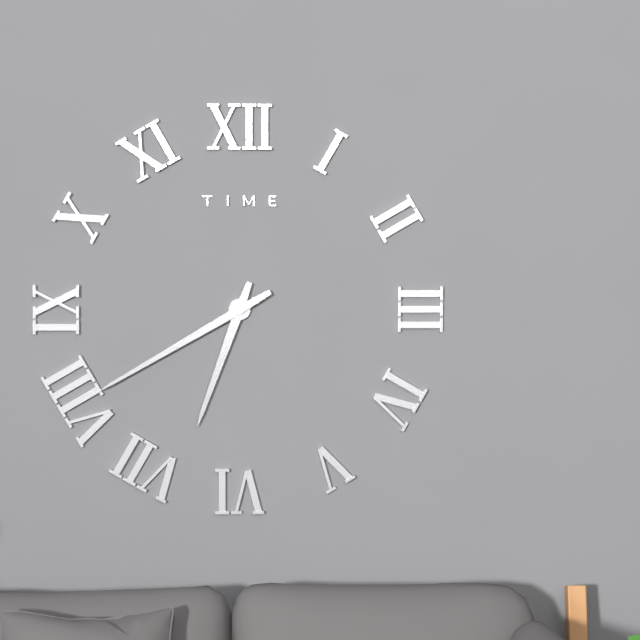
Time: {"hour": 6, "minute": 40}
